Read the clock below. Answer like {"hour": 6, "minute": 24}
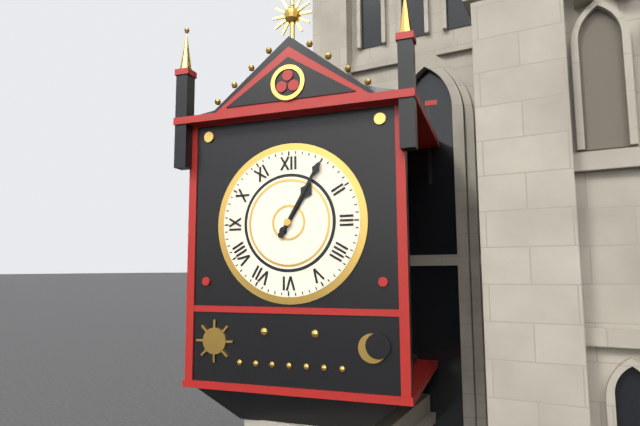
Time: {"hour": 1, "minute": 5}
